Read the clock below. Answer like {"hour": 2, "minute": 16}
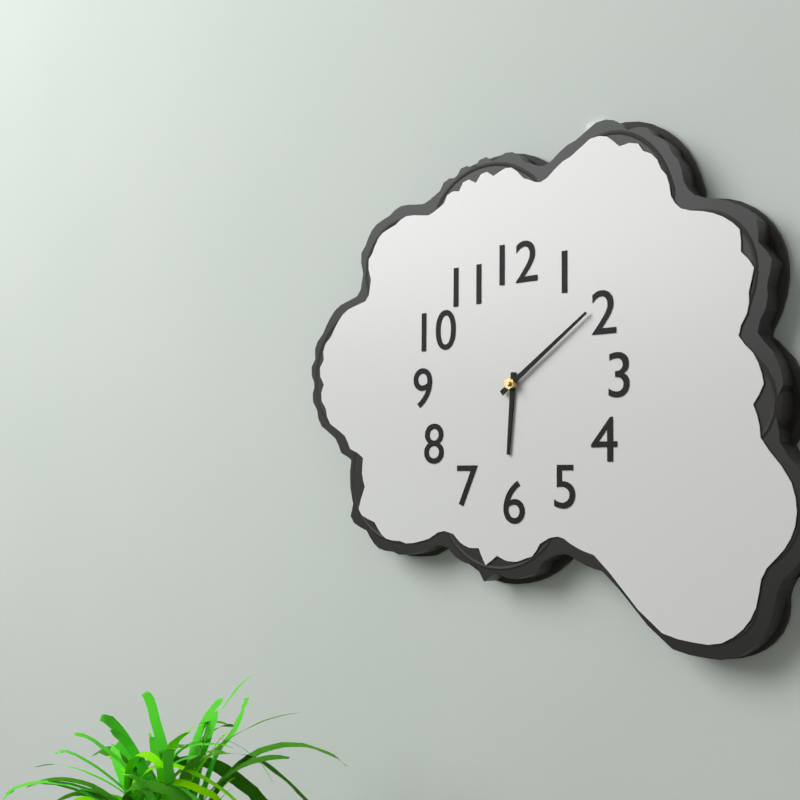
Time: {"hour": 6, "minute": 9}
